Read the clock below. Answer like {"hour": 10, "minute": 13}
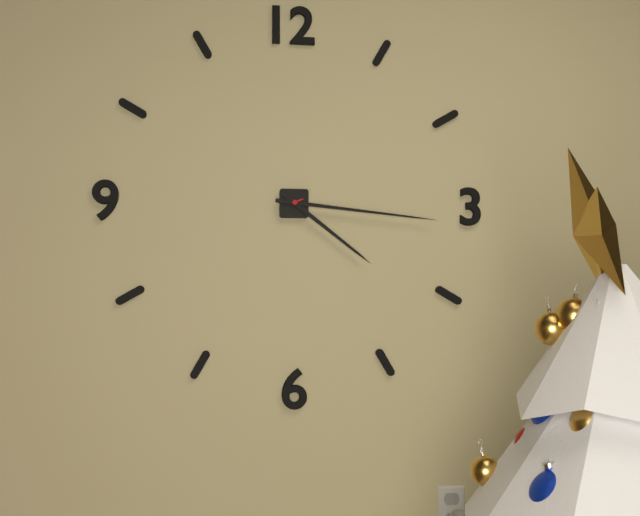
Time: {"hour": 4, "minute": 16}
